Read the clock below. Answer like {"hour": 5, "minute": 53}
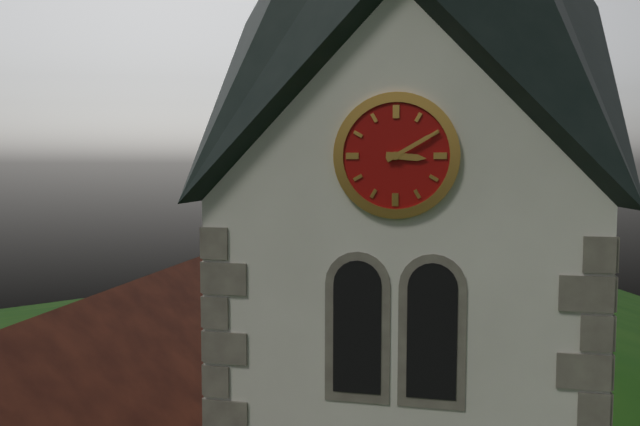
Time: {"hour": 3, "minute": 10}
